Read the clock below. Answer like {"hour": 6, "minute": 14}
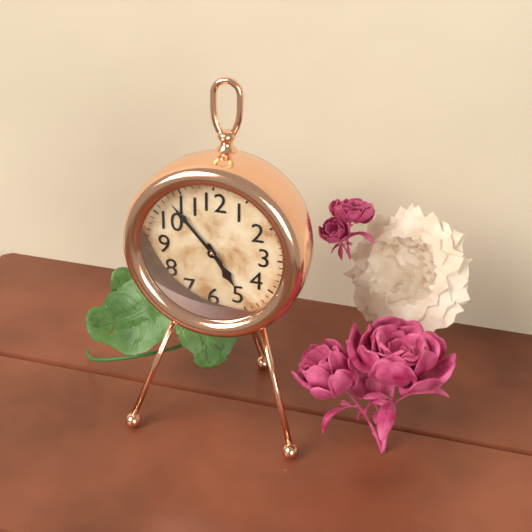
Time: {"hour": 4, "minute": 53}
